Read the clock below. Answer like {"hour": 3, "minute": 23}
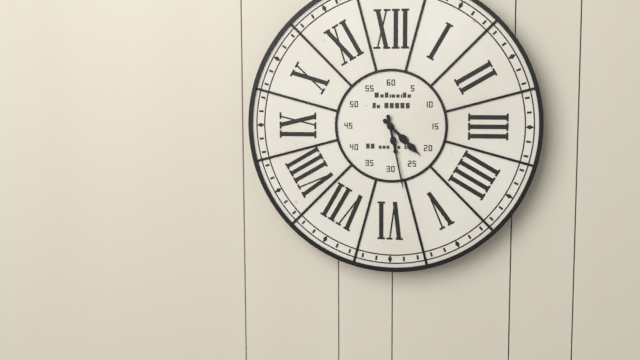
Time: {"hour": 4, "minute": 28}
